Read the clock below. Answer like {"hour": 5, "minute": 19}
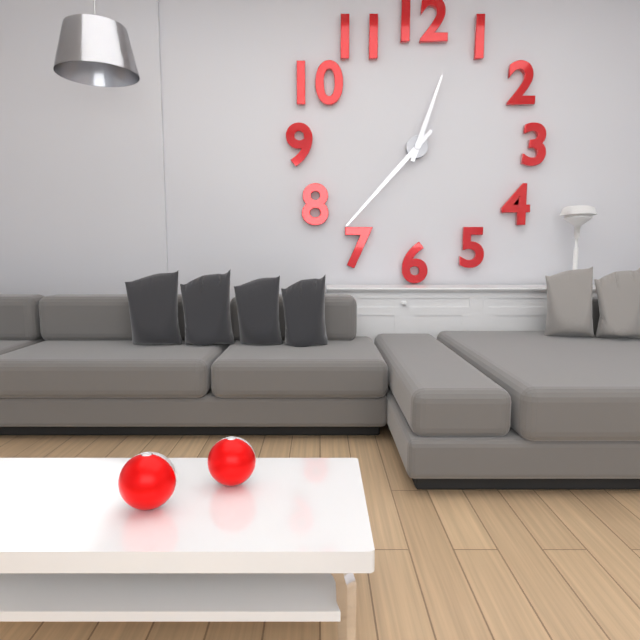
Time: {"hour": 12, "minute": 37}
